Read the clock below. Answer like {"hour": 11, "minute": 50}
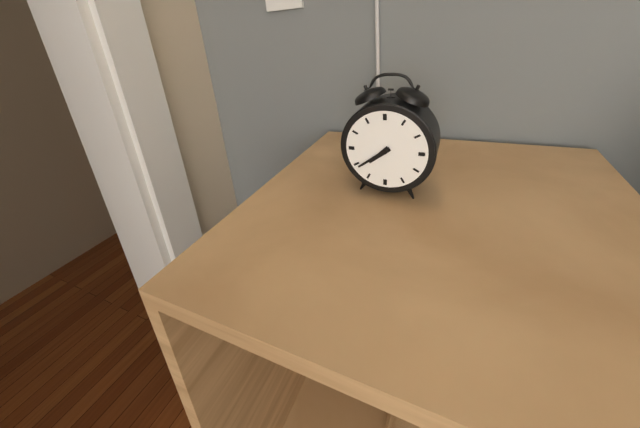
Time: {"hour": 7, "minute": 39}
